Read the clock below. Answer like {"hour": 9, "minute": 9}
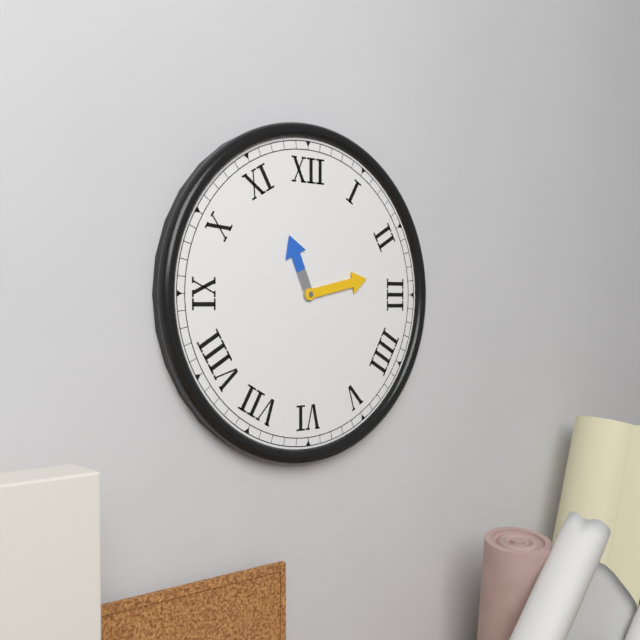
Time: {"hour": 11, "minute": 13}
